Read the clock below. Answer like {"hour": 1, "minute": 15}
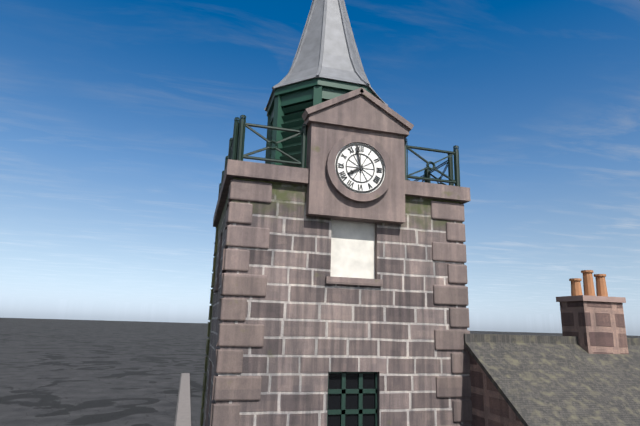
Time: {"hour": 7, "minute": 58}
